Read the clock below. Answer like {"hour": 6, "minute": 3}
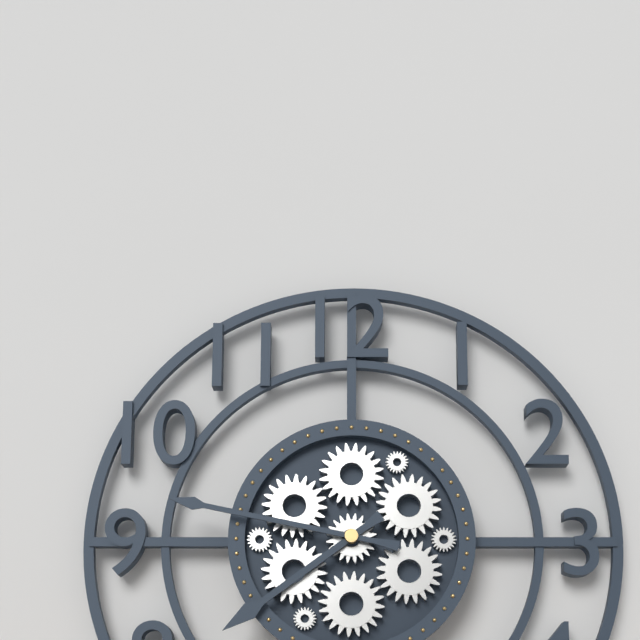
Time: {"hour": 7, "minute": 47}
